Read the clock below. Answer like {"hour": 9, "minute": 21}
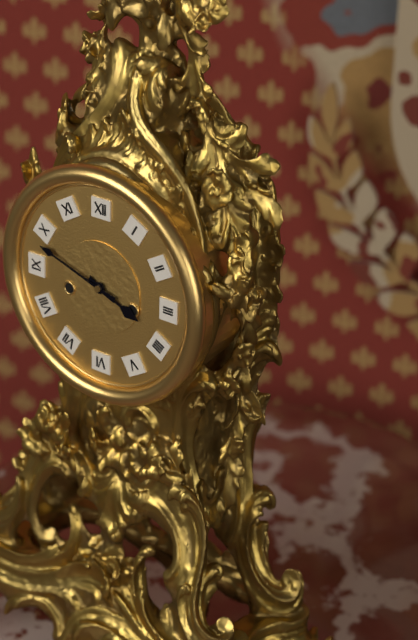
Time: {"hour": 3, "minute": 48}
